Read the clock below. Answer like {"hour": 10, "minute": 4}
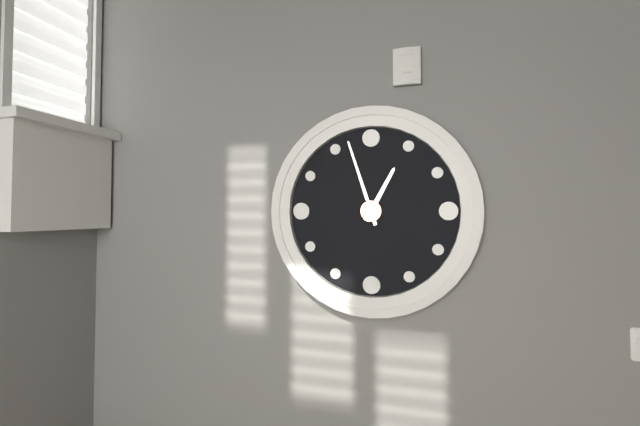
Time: {"hour": 12, "minute": 57}
